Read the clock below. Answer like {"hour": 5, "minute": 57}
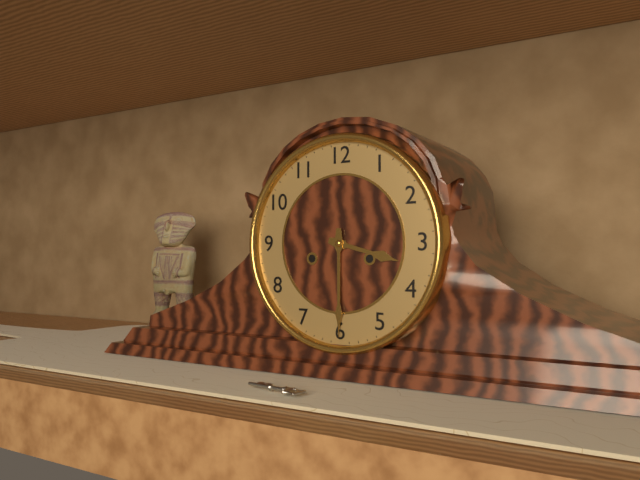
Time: {"hour": 3, "minute": 30}
